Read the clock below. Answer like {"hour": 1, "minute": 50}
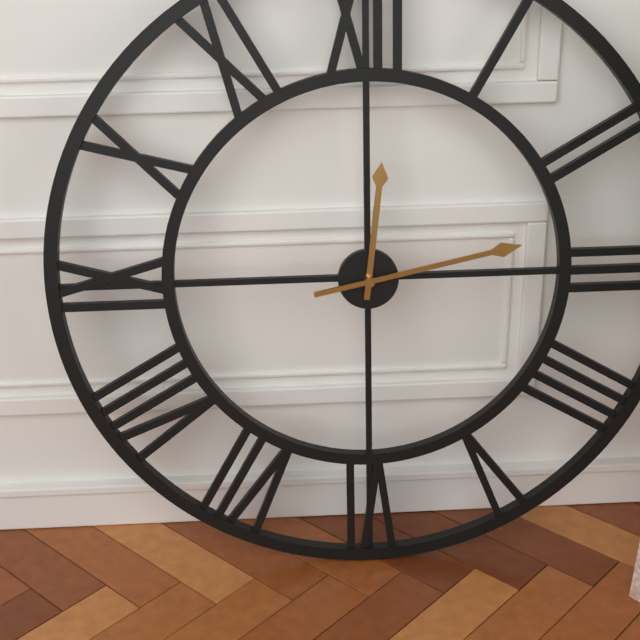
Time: {"hour": 12, "minute": 13}
